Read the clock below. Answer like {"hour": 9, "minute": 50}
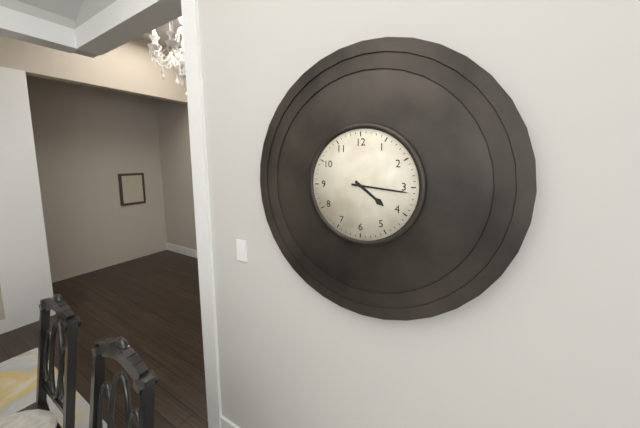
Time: {"hour": 4, "minute": 16}
